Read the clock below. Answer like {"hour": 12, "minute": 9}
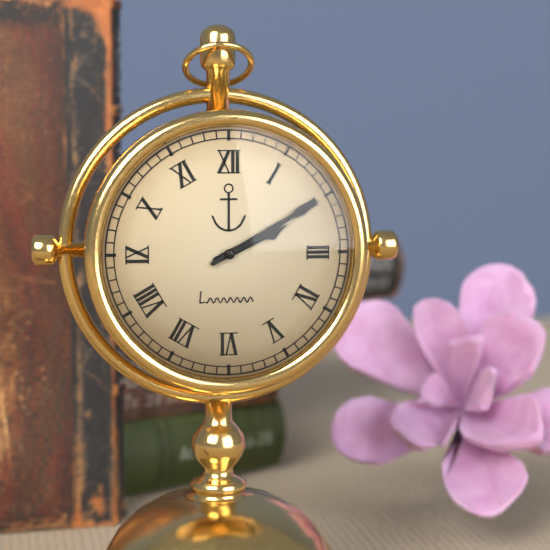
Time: {"hour": 2, "minute": 10}
